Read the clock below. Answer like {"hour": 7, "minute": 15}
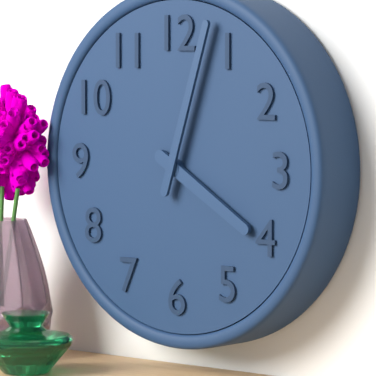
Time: {"hour": 4, "minute": 3}
